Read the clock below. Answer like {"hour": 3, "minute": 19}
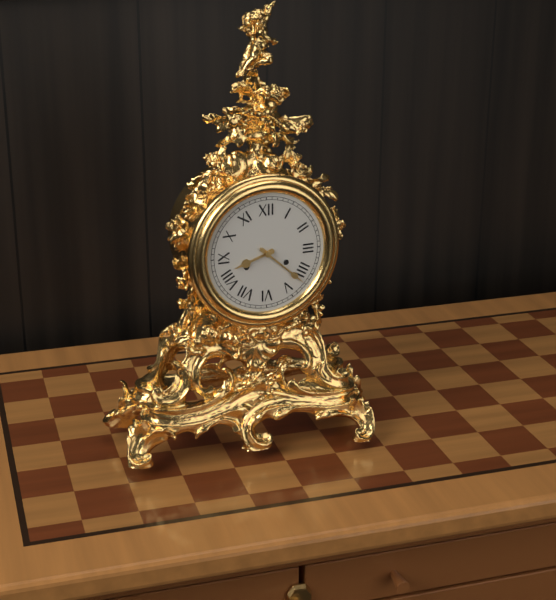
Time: {"hour": 8, "minute": 22}
